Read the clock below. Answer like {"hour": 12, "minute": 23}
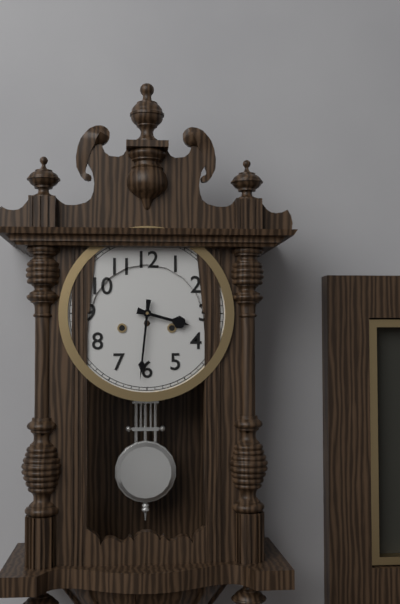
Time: {"hour": 3, "minute": 31}
